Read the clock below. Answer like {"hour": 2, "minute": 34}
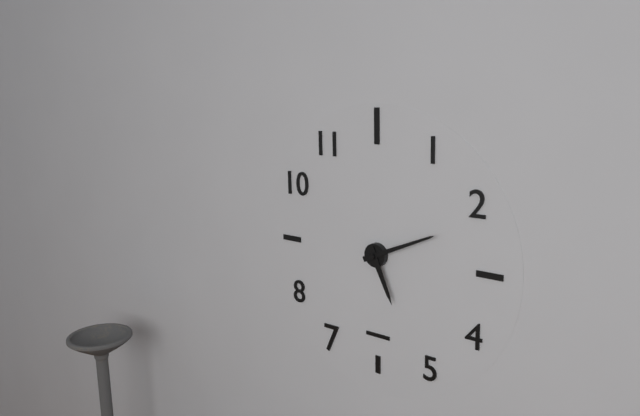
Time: {"hour": 5, "minute": 11}
